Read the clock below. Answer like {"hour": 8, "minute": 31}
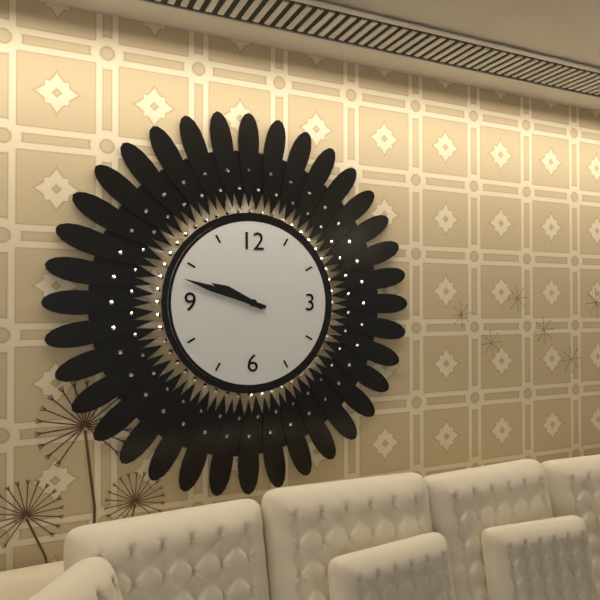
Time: {"hour": 9, "minute": 48}
